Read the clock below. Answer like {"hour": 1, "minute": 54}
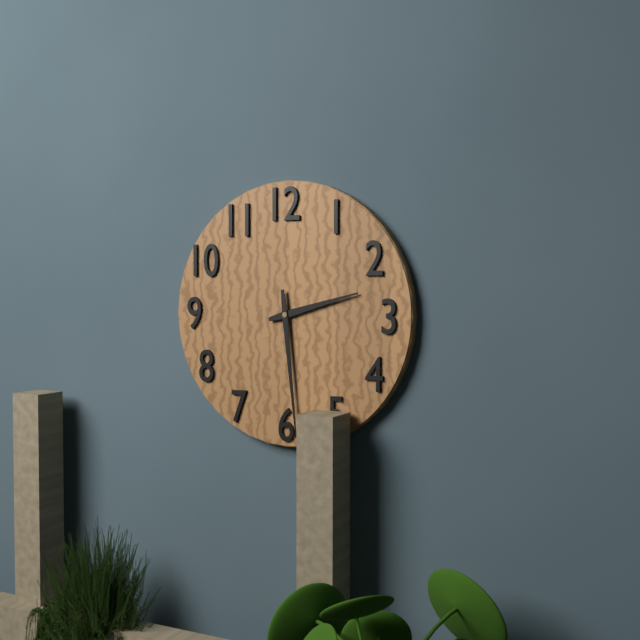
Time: {"hour": 2, "minute": 29}
